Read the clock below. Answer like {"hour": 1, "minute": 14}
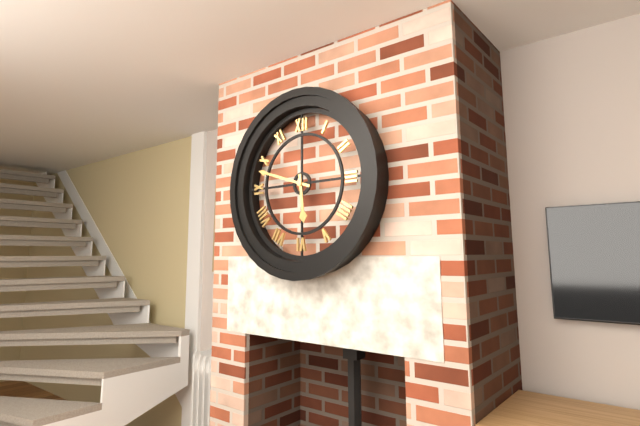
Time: {"hour": 5, "minute": 48}
